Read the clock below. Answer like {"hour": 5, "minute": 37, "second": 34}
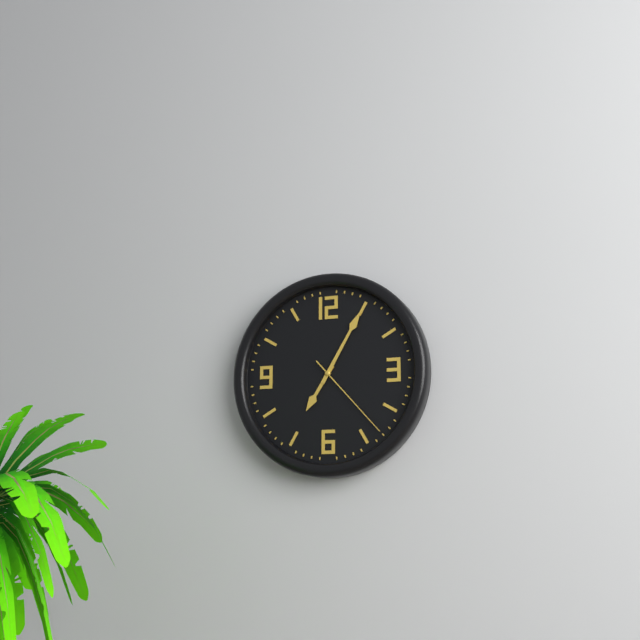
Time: {"hour": 7, "minute": 5, "second": 23}
